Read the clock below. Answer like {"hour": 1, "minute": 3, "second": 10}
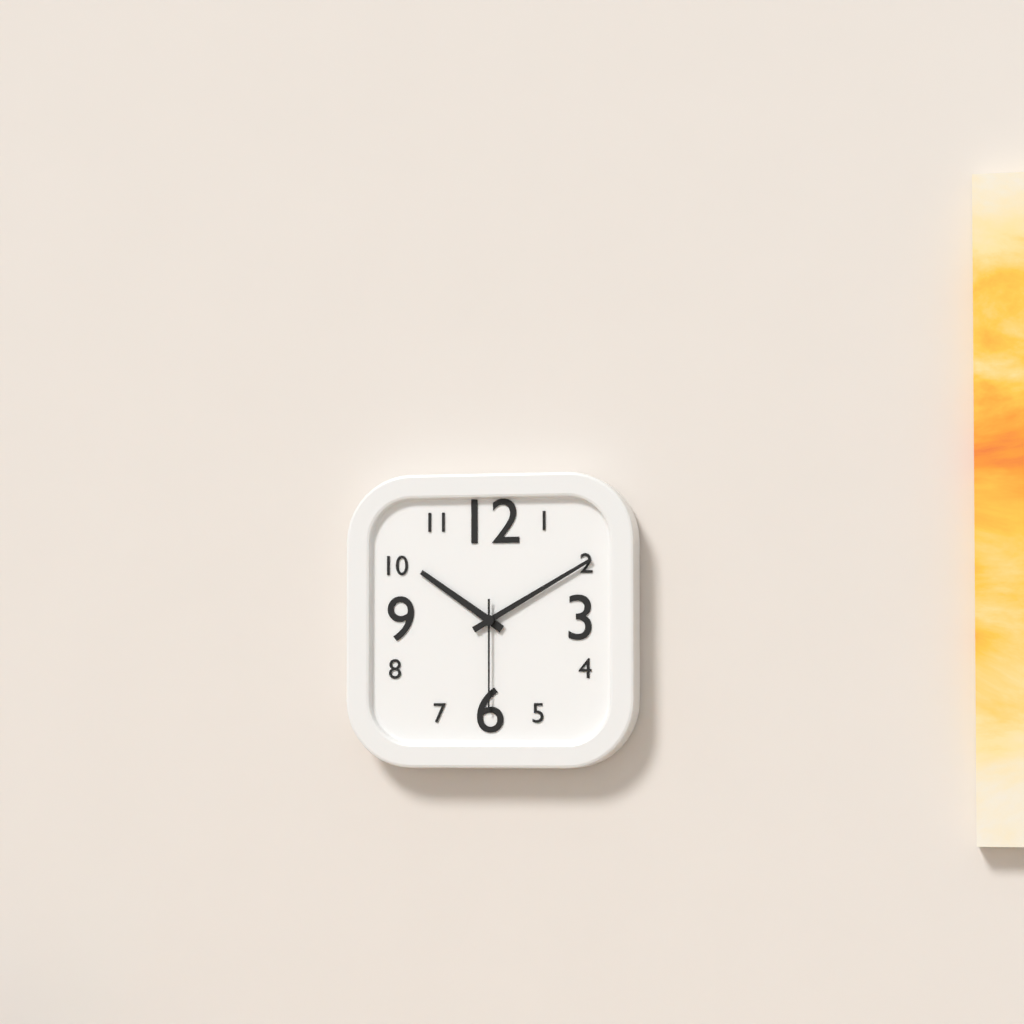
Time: {"hour": 10, "minute": 10, "second": 30}
